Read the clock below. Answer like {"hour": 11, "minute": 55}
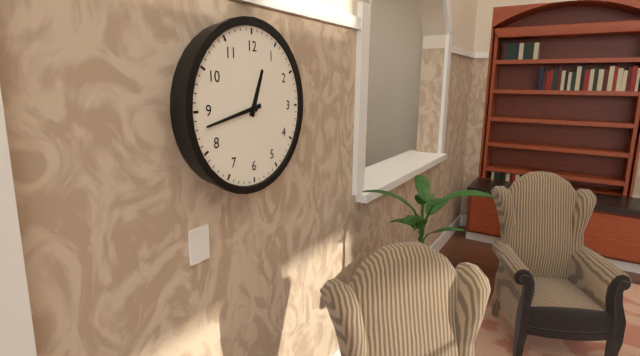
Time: {"hour": 12, "minute": 43}
